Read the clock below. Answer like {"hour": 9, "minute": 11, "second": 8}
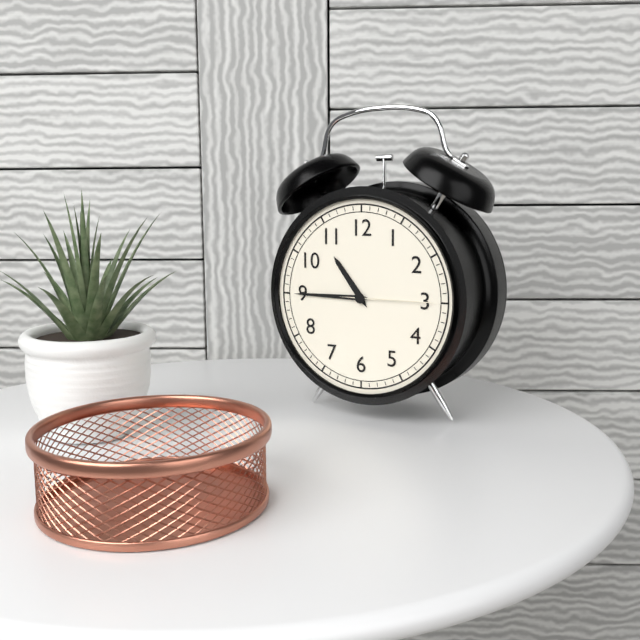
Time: {"hour": 10, "minute": 45, "second": 15}
